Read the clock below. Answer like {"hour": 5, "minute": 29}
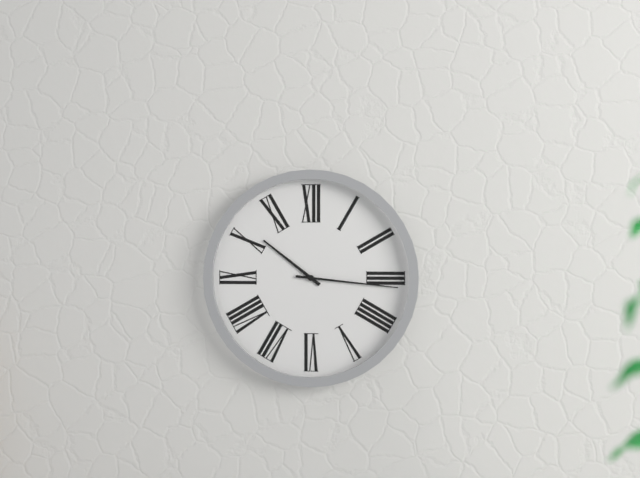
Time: {"hour": 10, "minute": 16}
